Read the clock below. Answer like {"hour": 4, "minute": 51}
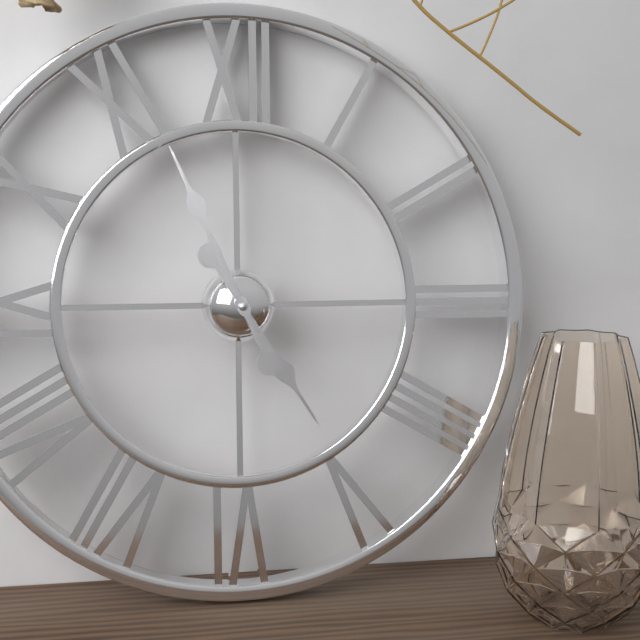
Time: {"hour": 4, "minute": 56}
